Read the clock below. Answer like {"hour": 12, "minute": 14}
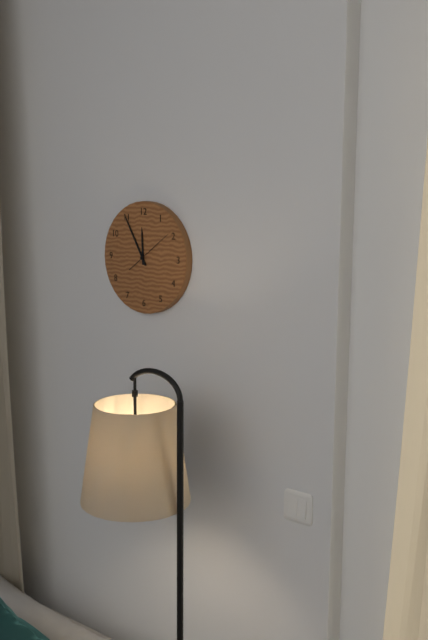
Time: {"hour": 11, "minute": 55}
